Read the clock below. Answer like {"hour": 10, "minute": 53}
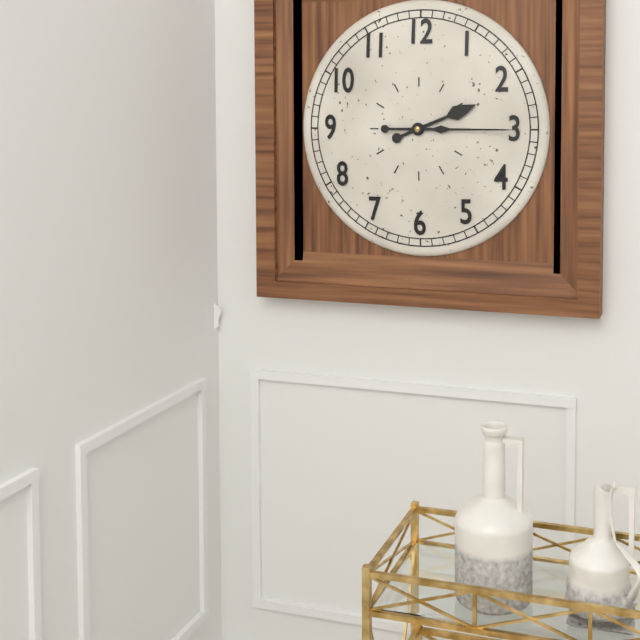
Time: {"hour": 2, "minute": 15}
